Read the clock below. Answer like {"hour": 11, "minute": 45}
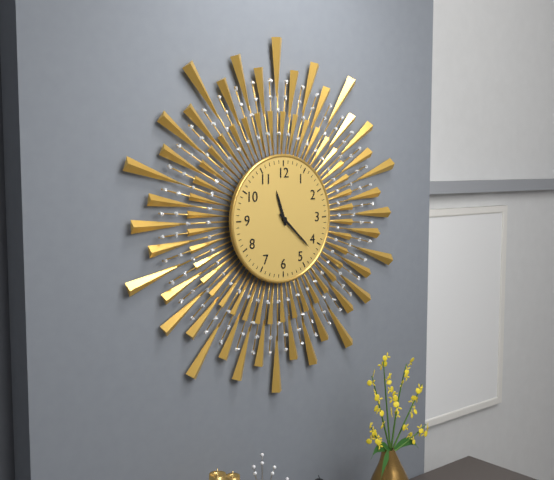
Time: {"hour": 11, "minute": 22}
